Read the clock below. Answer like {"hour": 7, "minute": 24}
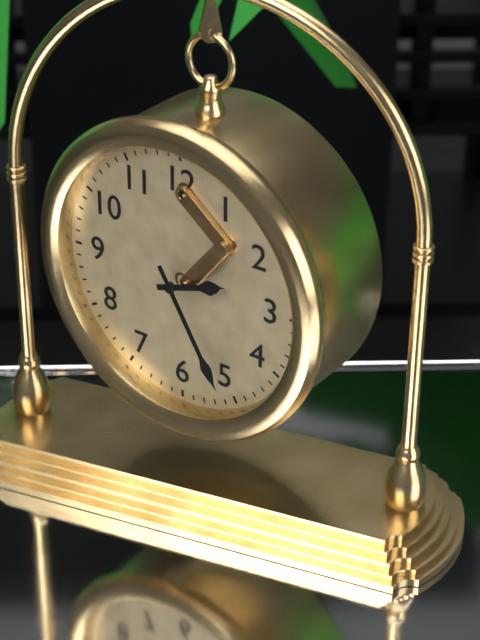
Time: {"hour": 2, "minute": 25}
